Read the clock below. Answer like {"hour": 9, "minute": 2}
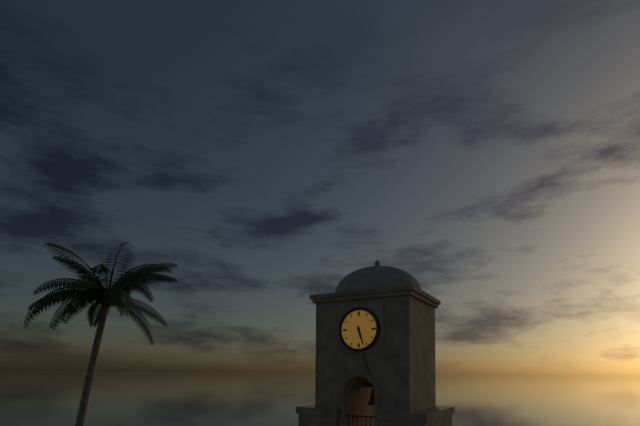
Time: {"hour": 5, "minute": 27}
